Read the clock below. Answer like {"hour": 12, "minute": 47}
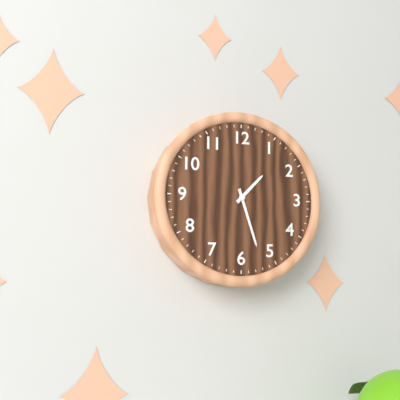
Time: {"hour": 1, "minute": 27}
